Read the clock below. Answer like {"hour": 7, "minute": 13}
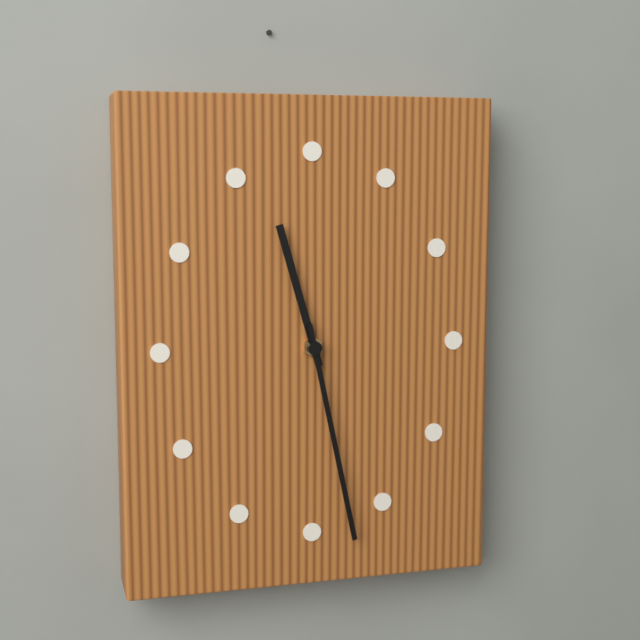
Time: {"hour": 11, "minute": 28}
